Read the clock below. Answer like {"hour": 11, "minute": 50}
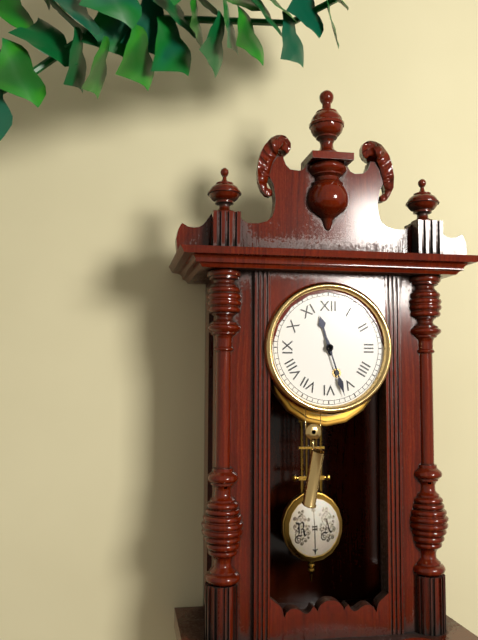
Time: {"hour": 11, "minute": 27}
